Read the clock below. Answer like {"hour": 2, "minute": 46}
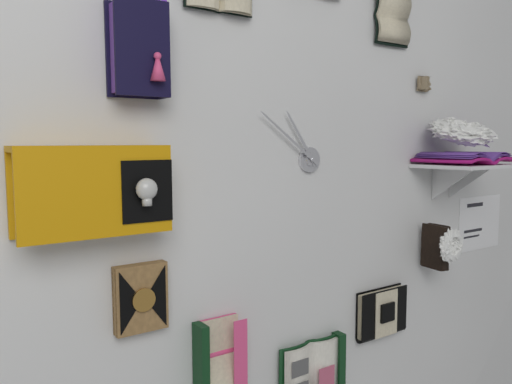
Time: {"hour": 10, "minute": 51}
